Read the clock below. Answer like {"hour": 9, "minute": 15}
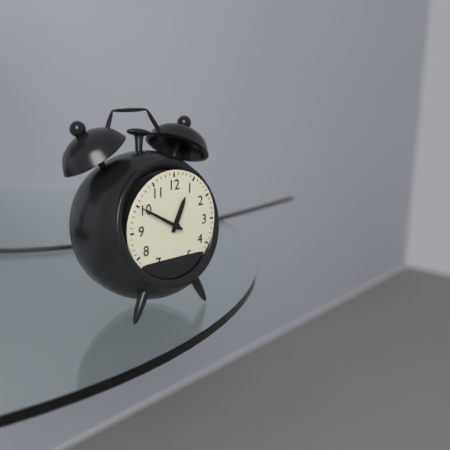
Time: {"hour": 12, "minute": 50}
